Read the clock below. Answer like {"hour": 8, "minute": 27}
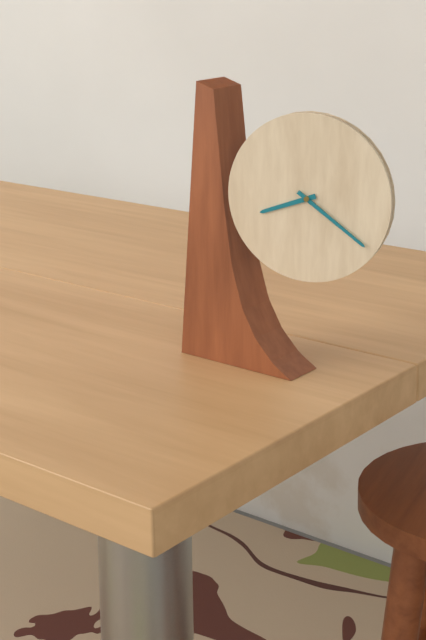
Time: {"hour": 8, "minute": 21}
